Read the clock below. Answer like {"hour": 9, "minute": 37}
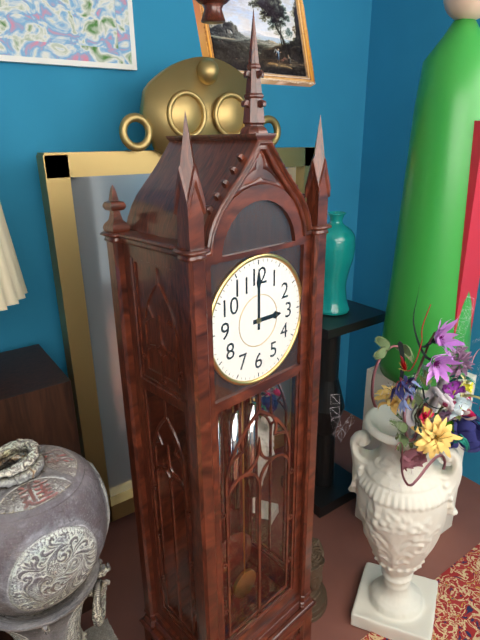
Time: {"hour": 3, "minute": 0}
